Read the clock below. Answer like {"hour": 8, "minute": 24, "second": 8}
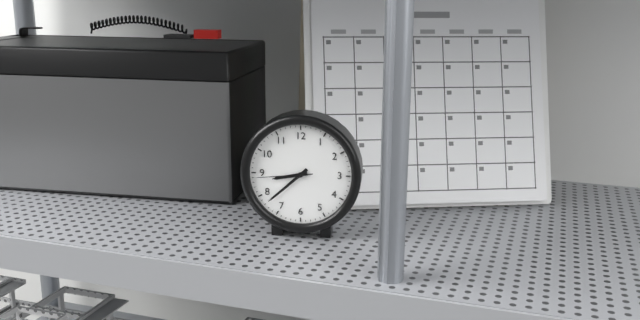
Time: {"hour": 8, "minute": 38, "second": 44}
